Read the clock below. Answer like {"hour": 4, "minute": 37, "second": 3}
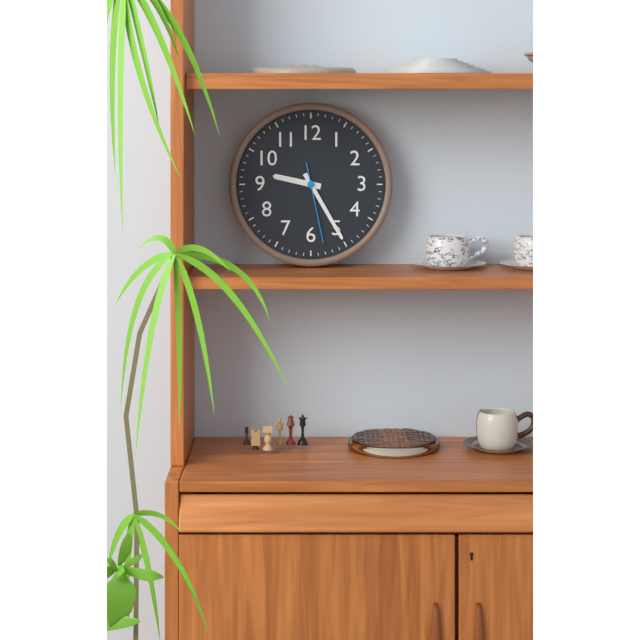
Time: {"hour": 9, "minute": 25, "second": 28}
